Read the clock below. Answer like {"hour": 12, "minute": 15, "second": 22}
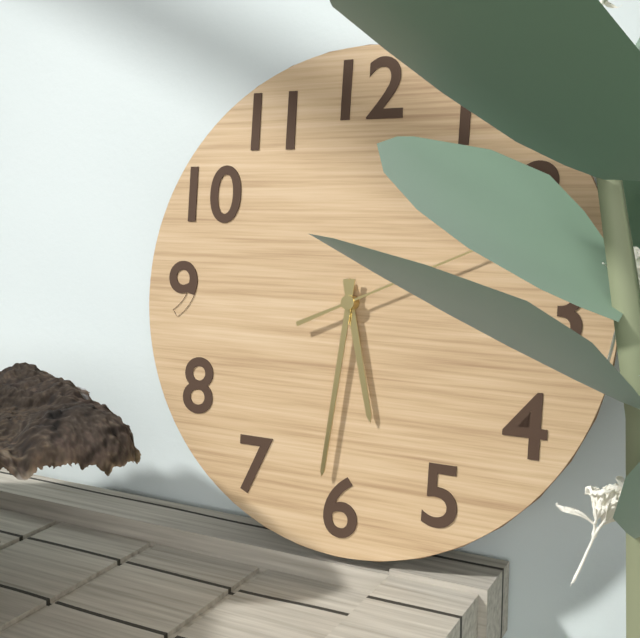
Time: {"hour": 5, "minute": 31, "second": 11}
